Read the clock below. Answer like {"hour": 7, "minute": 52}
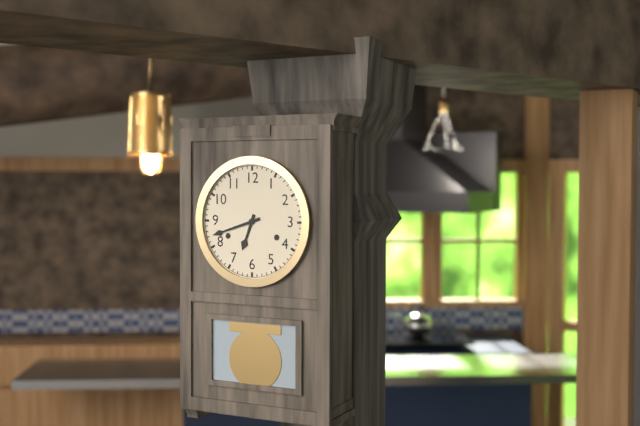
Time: {"hour": 6, "minute": 42}
